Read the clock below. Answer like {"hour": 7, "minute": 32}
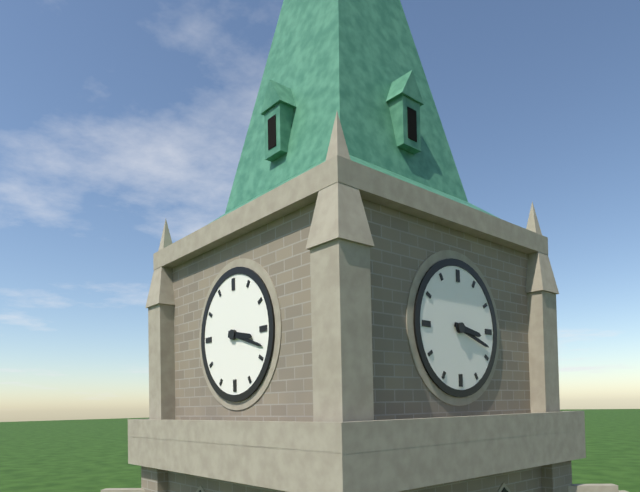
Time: {"hour": 3, "minute": 18}
